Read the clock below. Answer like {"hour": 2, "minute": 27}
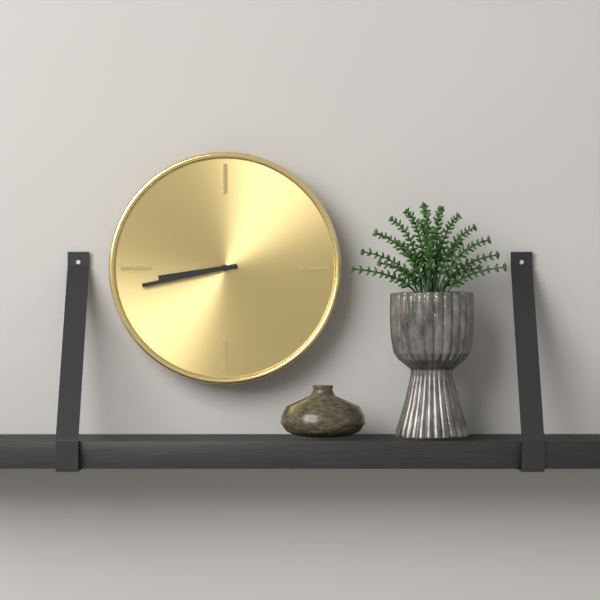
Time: {"hour": 8, "minute": 43}
